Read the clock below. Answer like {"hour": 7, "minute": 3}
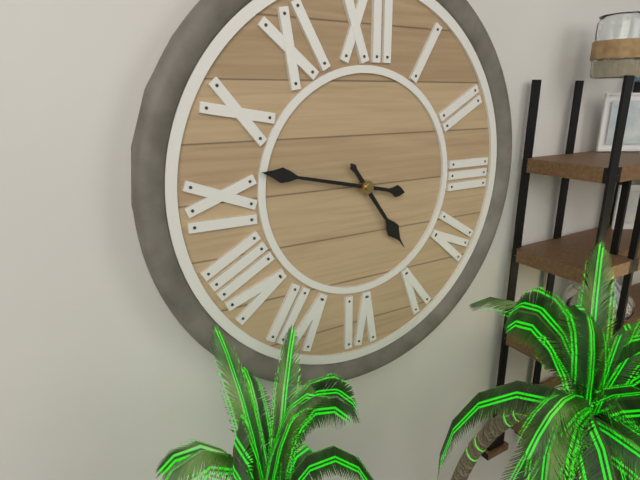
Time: {"hour": 4, "minute": 47}
